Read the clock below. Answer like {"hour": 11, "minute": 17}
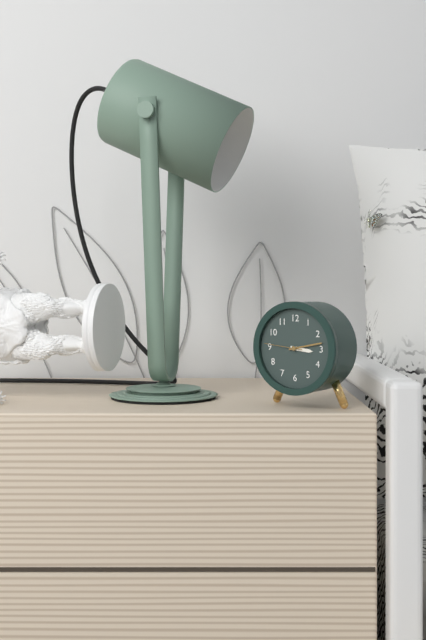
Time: {"hour": 3, "minute": 13}
